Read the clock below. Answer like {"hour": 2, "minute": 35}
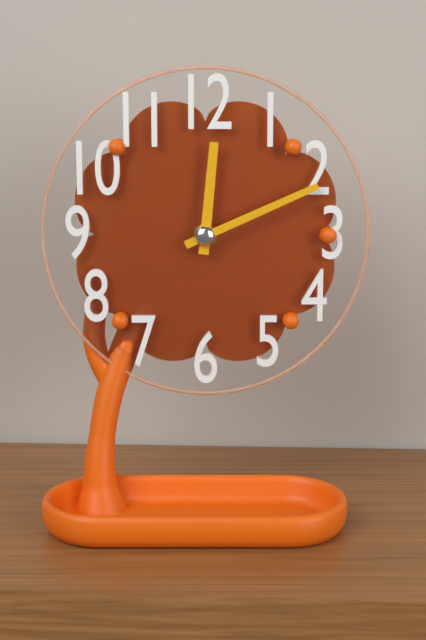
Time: {"hour": 12, "minute": 11}
